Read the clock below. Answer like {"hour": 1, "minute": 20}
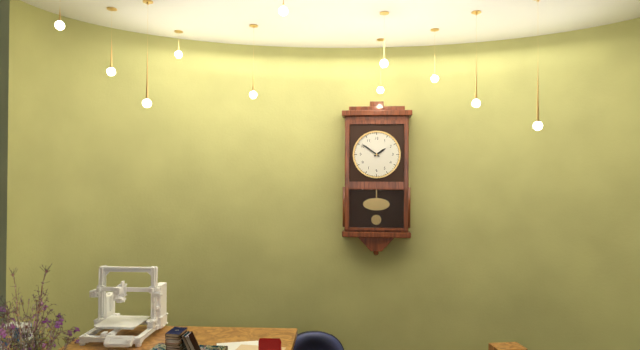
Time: {"hour": 1, "minute": 51}
